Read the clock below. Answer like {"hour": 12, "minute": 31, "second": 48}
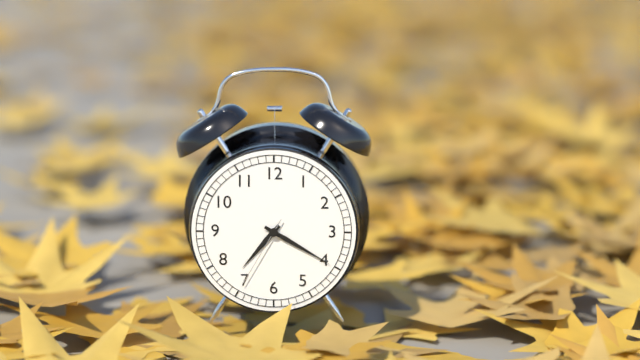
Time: {"hour": 7, "minute": 20, "second": 35}
